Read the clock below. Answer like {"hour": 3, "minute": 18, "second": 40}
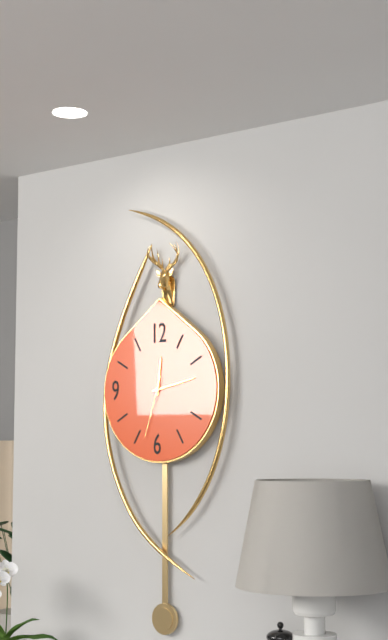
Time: {"hour": 12, "minute": 13, "second": 33}
